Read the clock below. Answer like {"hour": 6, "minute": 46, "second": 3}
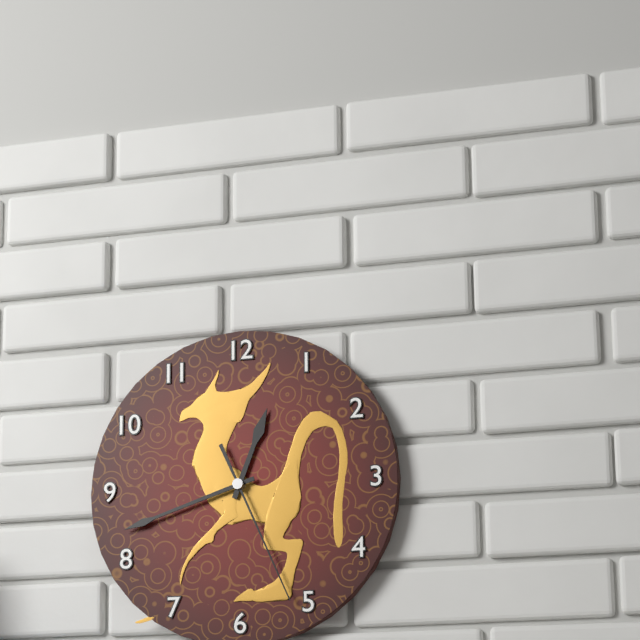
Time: {"hour": 12, "minute": 42, "second": 26}
